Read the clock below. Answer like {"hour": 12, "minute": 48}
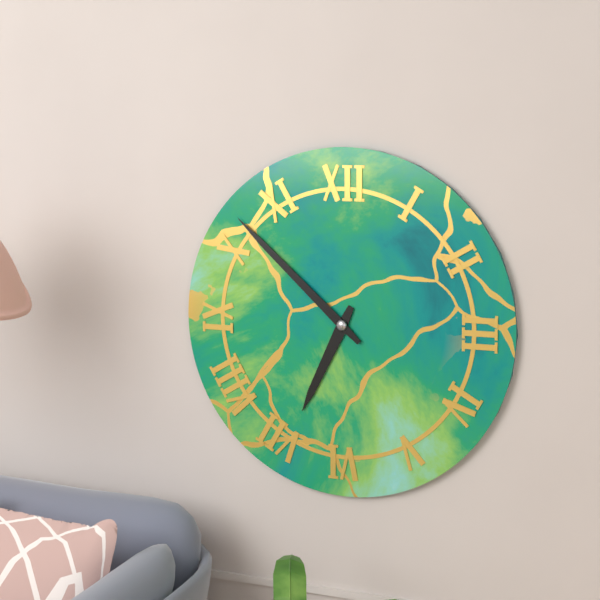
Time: {"hour": 6, "minute": 52}
